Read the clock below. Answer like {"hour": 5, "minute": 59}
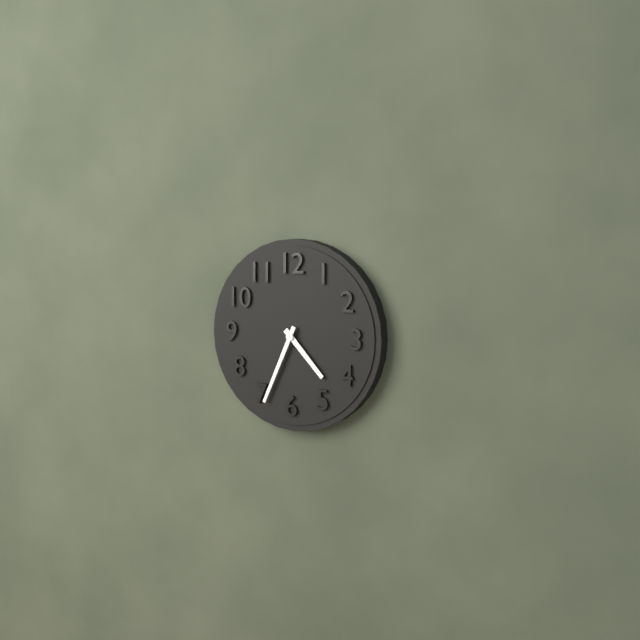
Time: {"hour": 4, "minute": 34}
